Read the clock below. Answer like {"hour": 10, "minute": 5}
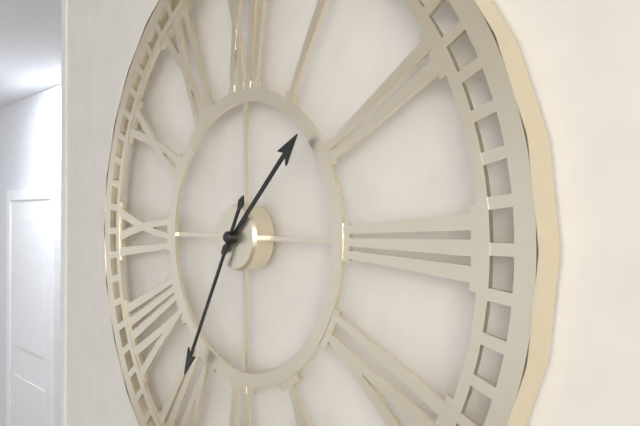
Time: {"hour": 1, "minute": 35}
